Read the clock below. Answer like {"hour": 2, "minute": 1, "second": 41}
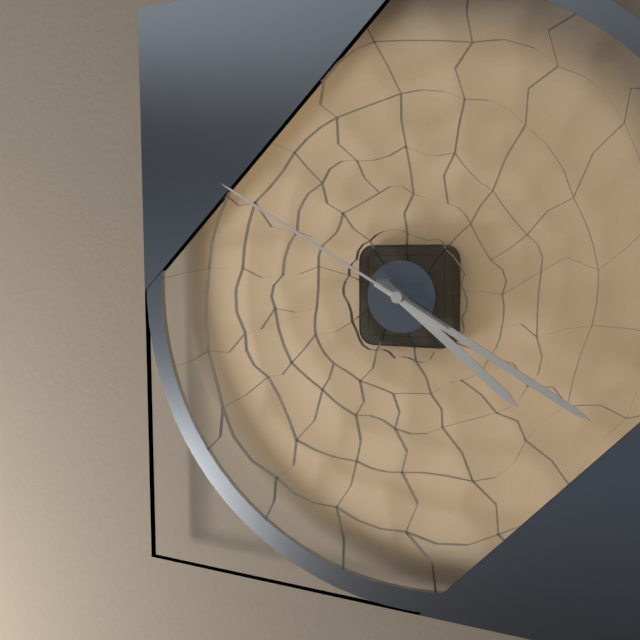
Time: {"hour": 4, "minute": 20, "second": 50}
